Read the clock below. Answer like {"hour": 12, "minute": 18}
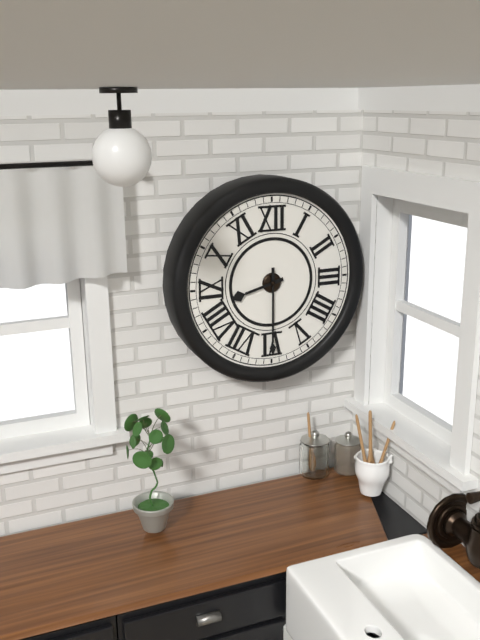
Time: {"hour": 8, "minute": 30}
